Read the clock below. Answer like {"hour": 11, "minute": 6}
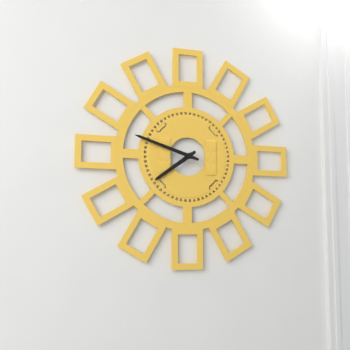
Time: {"hour": 7, "minute": 48}
